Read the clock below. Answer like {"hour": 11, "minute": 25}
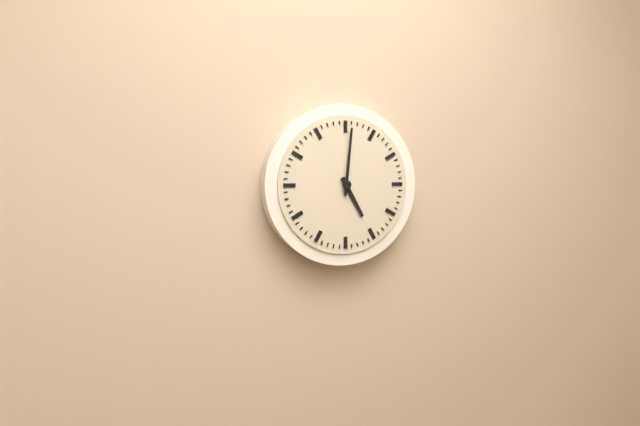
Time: {"hour": 5, "minute": 1}
